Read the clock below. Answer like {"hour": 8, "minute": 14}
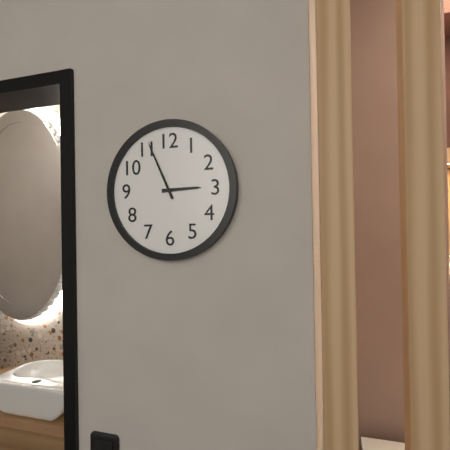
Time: {"hour": 2, "minute": 56}
